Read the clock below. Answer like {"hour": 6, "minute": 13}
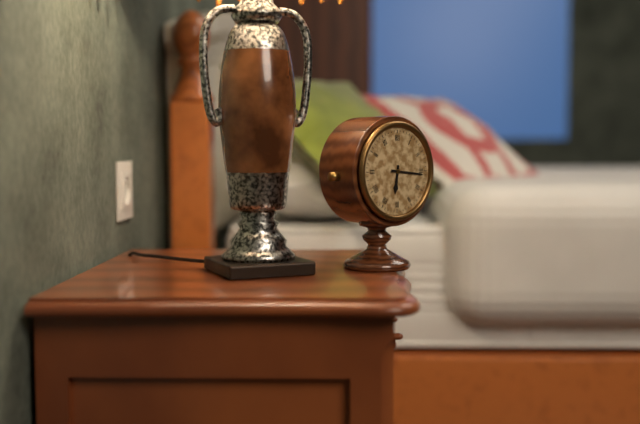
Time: {"hour": 6, "minute": 16}
